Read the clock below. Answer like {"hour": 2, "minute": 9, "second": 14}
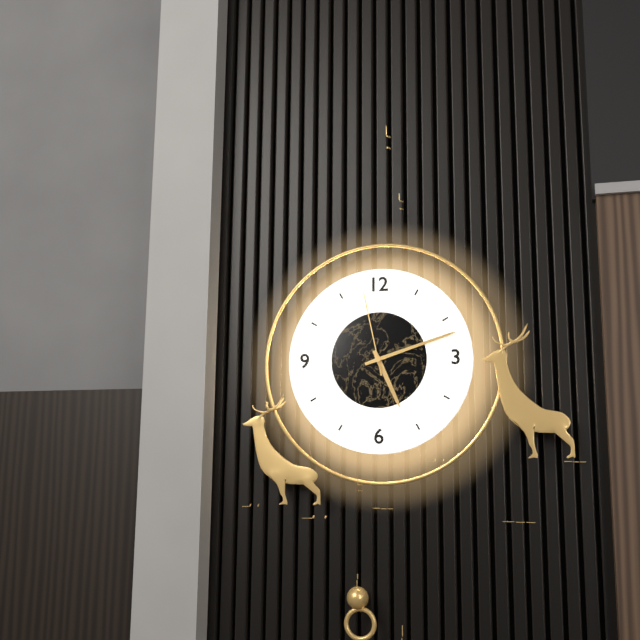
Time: {"hour": 5, "minute": 12, "second": 58}
